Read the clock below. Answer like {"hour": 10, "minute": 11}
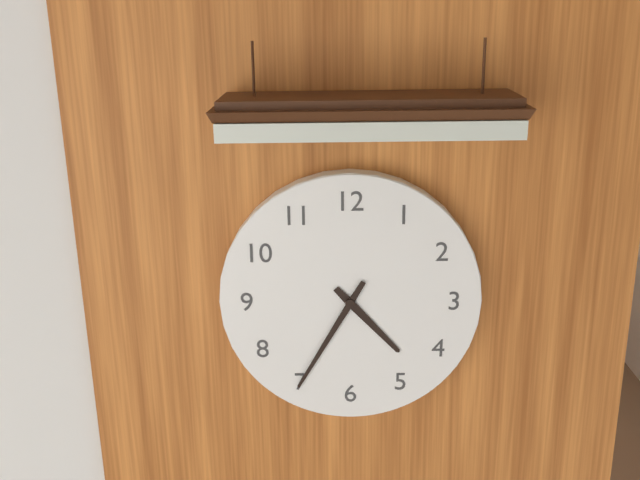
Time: {"hour": 4, "minute": 35}
